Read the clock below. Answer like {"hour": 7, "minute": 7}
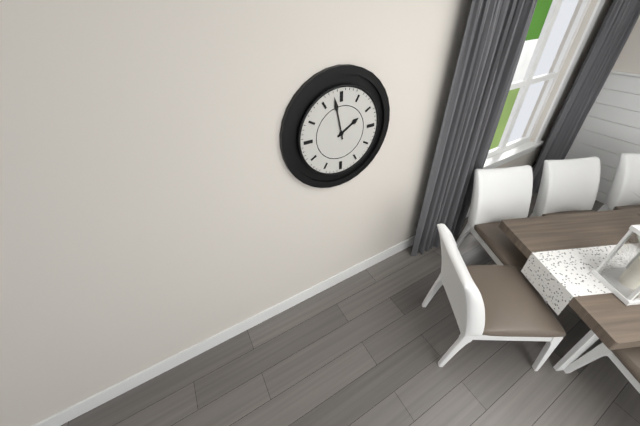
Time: {"hour": 1, "minute": 58}
